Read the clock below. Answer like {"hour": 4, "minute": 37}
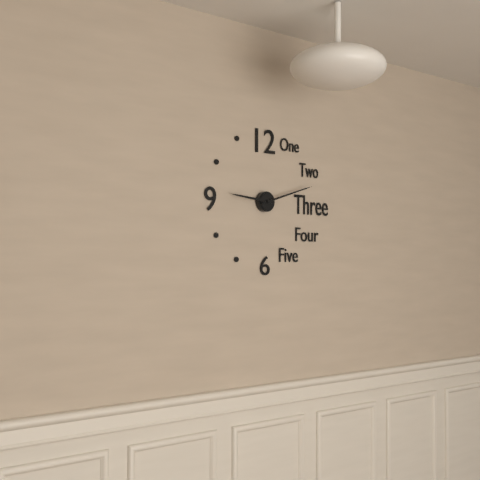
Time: {"hour": 9, "minute": 12}
